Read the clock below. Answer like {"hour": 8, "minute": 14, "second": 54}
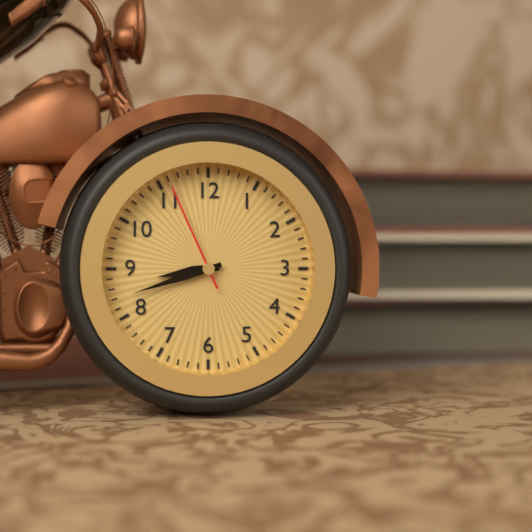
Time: {"hour": 8, "minute": 42, "second": 56}
